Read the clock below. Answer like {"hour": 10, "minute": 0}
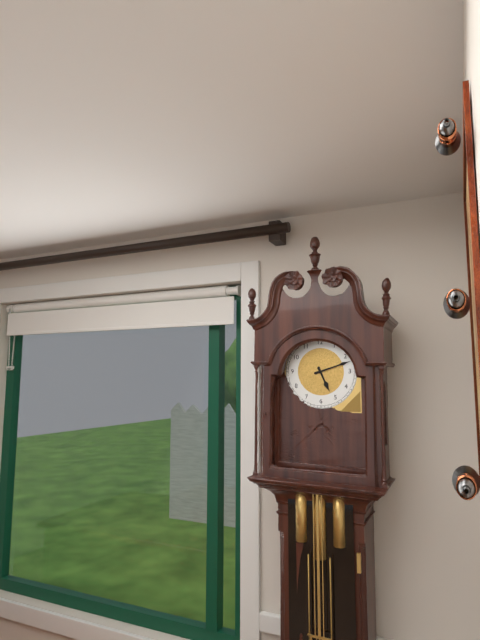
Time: {"hour": 5, "minute": 12}
